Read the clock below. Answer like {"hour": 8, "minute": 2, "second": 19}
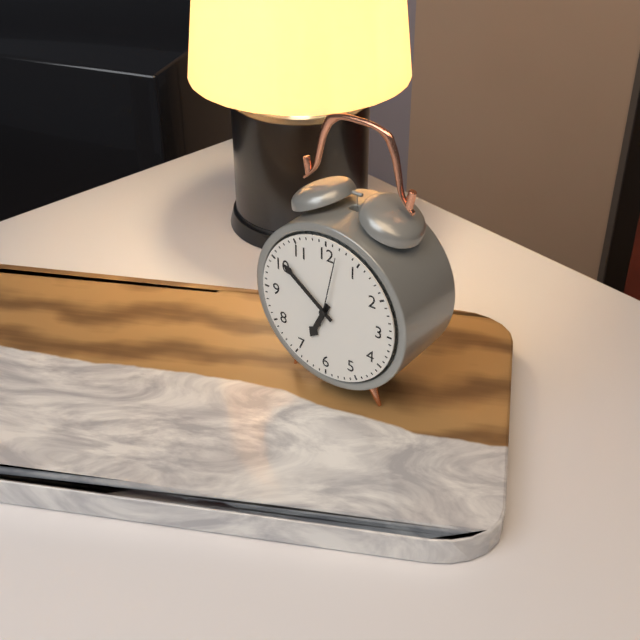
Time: {"hour": 6, "minute": 51, "second": 2}
